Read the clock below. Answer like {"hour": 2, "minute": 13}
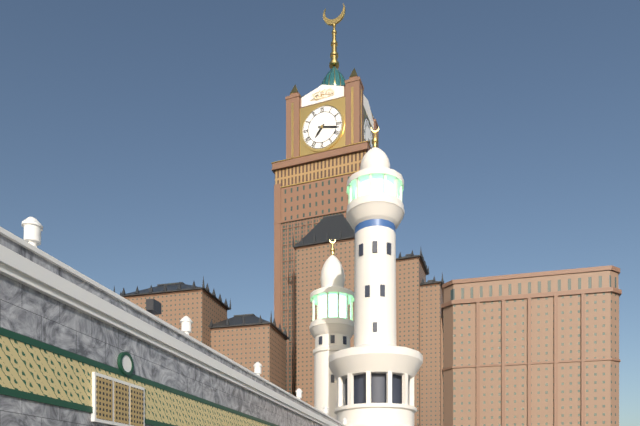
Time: {"hour": 7, "minute": 17}
